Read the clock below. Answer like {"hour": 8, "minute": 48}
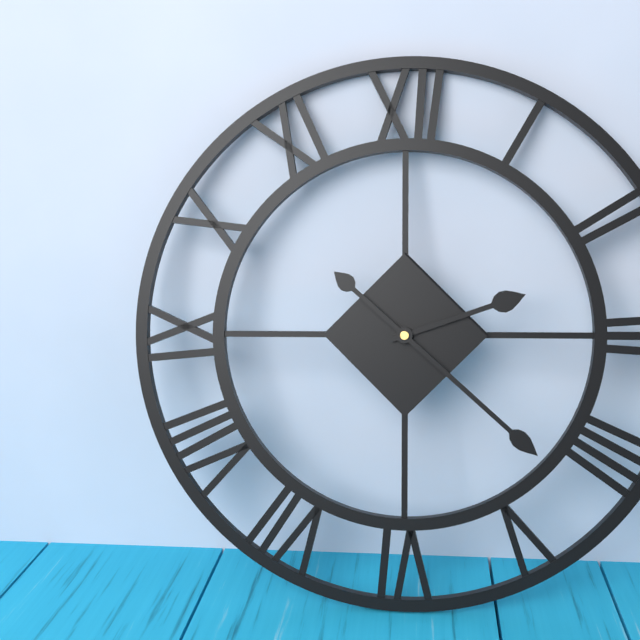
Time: {"hour": 2, "minute": 22}
